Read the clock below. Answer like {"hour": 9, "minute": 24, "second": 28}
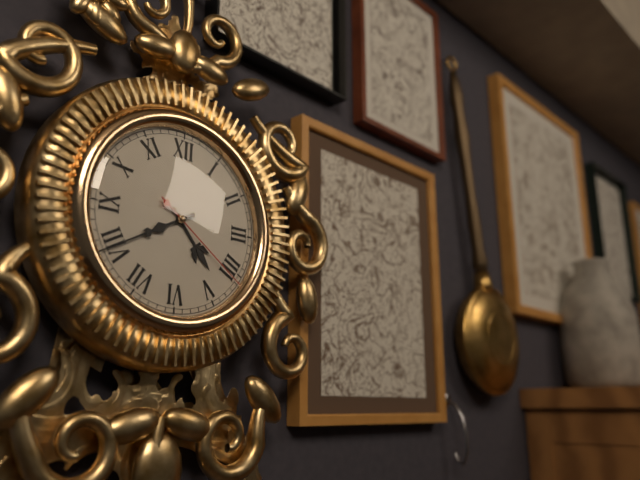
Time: {"hour": 4, "minute": 40, "second": 21}
